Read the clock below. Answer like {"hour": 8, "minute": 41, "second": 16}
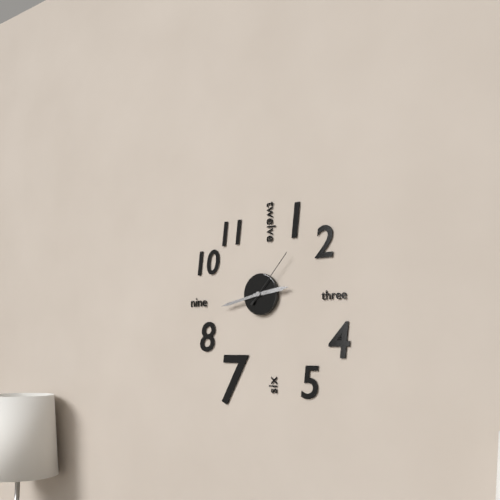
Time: {"hour": 2, "minute": 43, "second": 7}
